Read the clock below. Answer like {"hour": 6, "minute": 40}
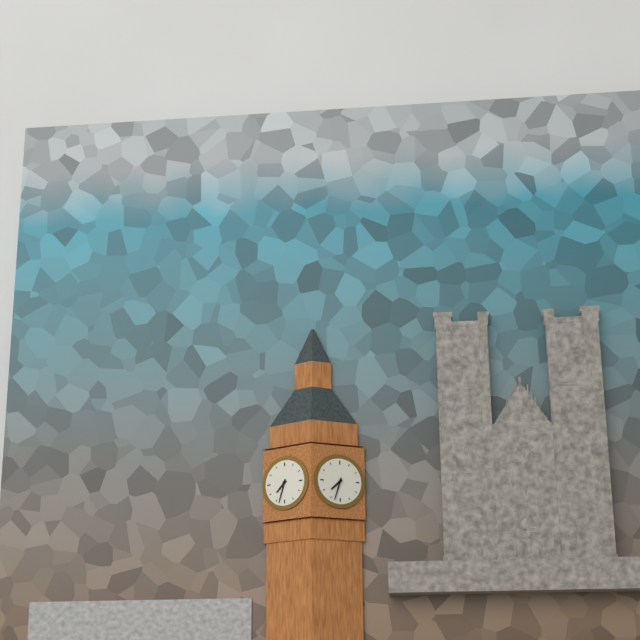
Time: {"hour": 7, "minute": 33}
